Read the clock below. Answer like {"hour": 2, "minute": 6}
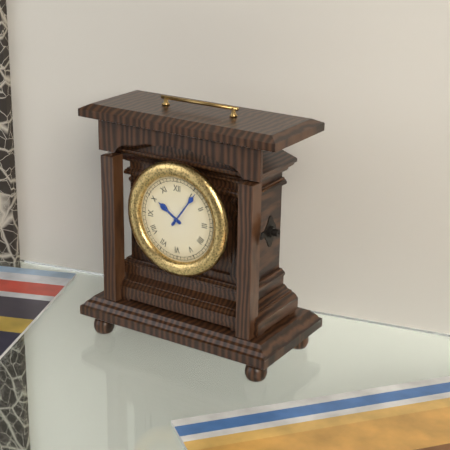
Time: {"hour": 10, "minute": 6}
